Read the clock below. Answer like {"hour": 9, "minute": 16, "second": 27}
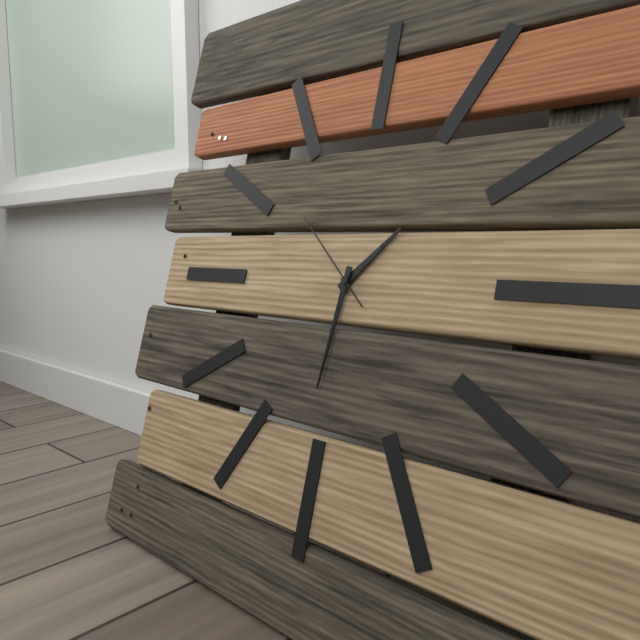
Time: {"hour": 1, "minute": 31, "second": 52}
